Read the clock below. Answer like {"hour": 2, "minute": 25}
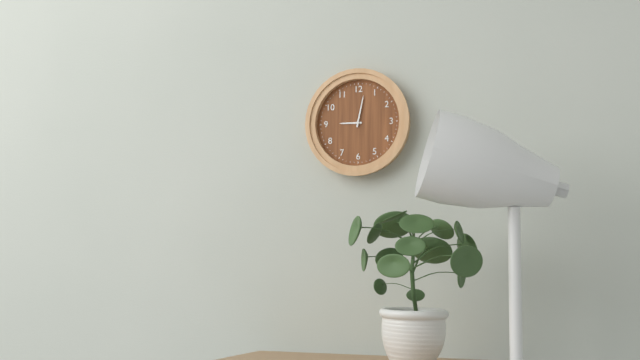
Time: {"hour": 9, "minute": 2}
